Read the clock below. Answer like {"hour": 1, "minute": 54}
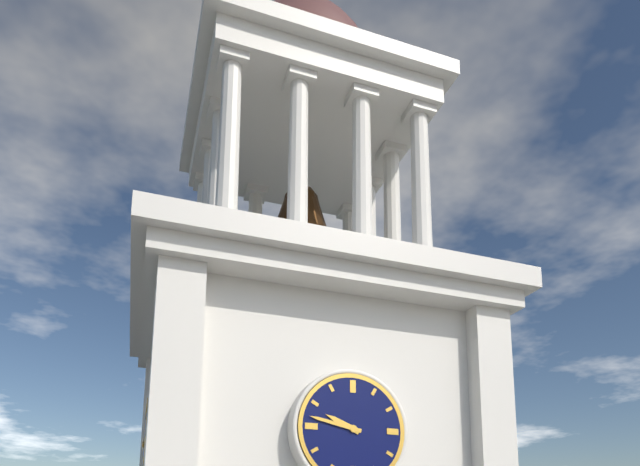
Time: {"hour": 9, "minute": 47}
